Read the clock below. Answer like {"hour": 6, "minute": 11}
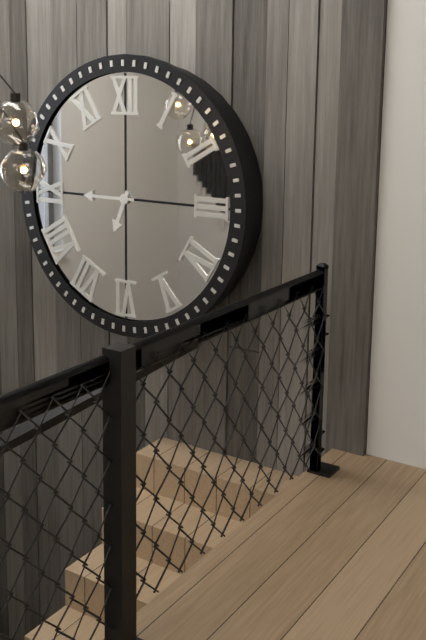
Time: {"hour": 6, "minute": 45}
